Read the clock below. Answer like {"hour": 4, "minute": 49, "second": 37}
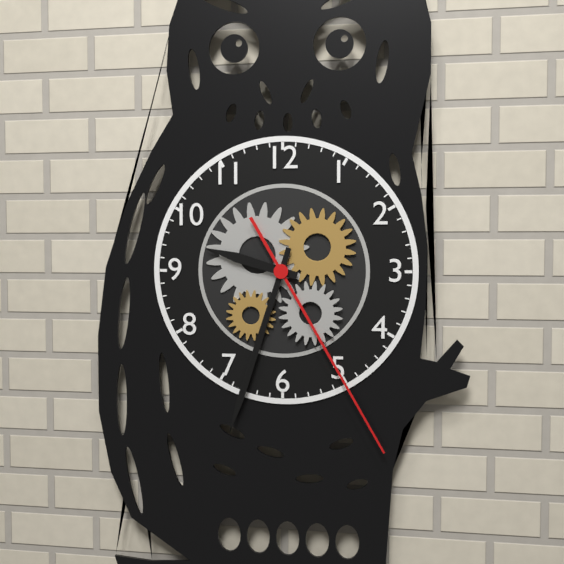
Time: {"hour": 9, "minute": 33, "second": 25}
